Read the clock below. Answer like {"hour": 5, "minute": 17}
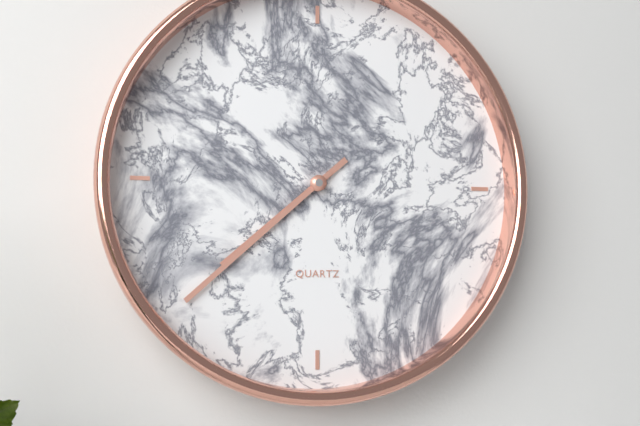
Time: {"hour": 7, "minute": 38}
